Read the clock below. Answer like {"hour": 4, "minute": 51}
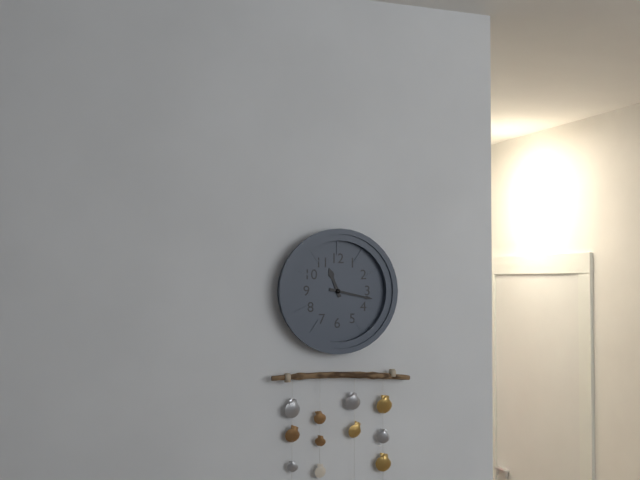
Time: {"hour": 11, "minute": 17}
